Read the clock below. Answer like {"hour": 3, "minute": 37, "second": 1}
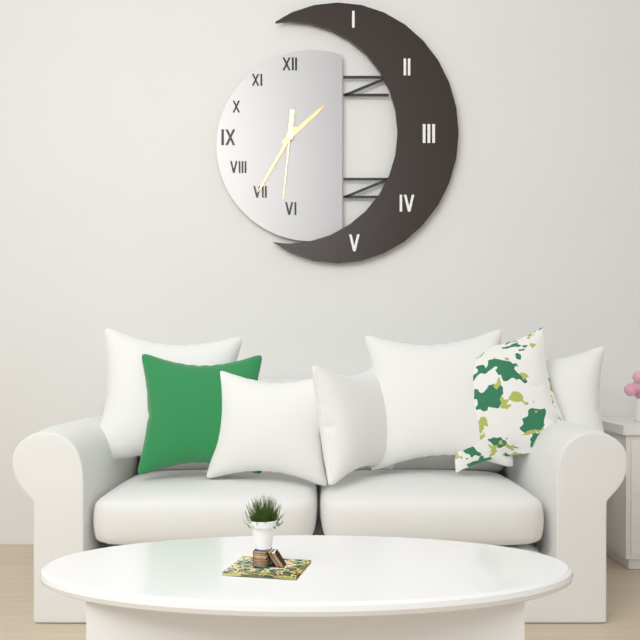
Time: {"hour": 1, "minute": 35, "second": 31}
